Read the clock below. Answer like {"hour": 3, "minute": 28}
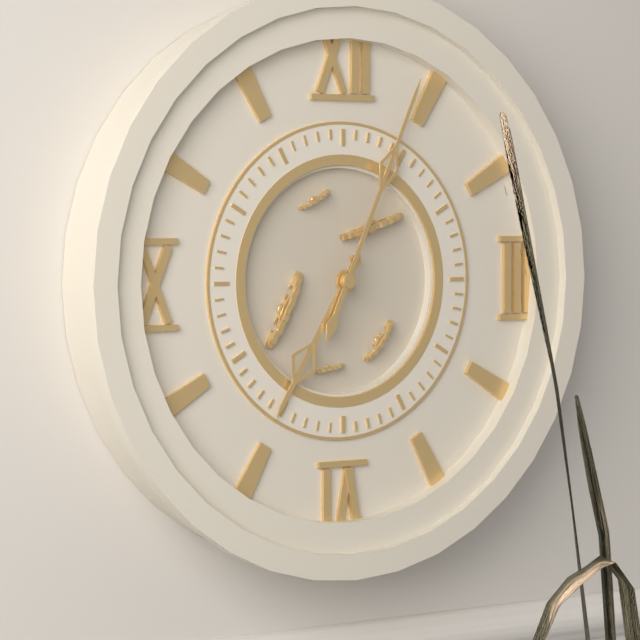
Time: {"hour": 7, "minute": 4}
